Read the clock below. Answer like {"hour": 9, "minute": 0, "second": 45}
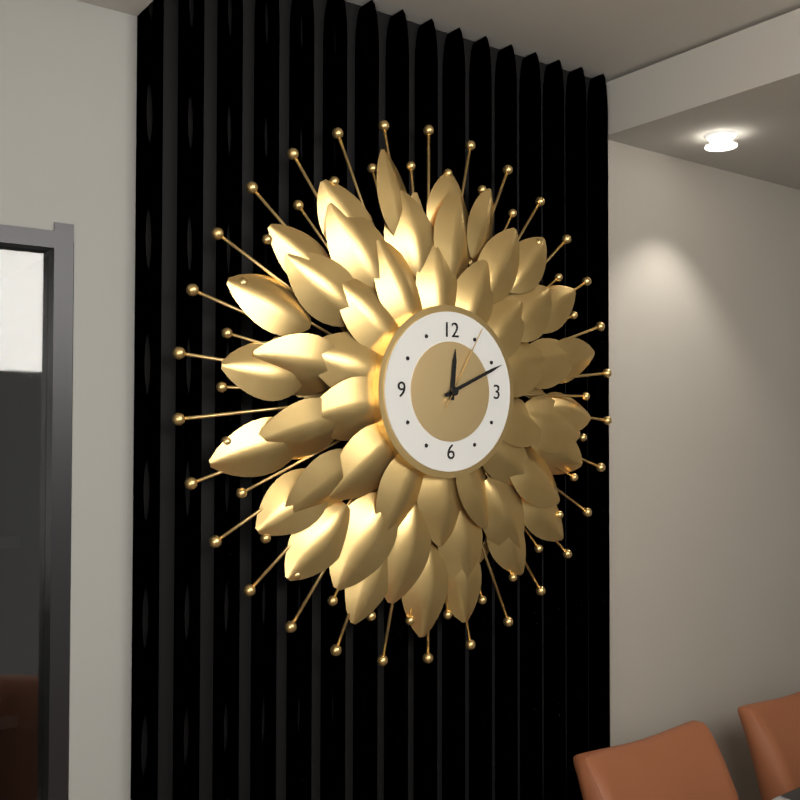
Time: {"hour": 12, "minute": 11, "second": 5}
